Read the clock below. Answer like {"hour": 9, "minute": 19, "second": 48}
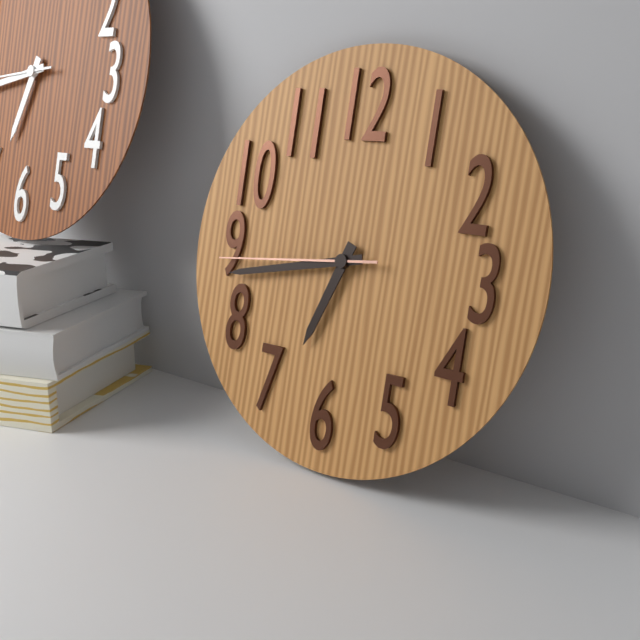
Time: {"hour": 6, "minute": 43, "second": 44}
